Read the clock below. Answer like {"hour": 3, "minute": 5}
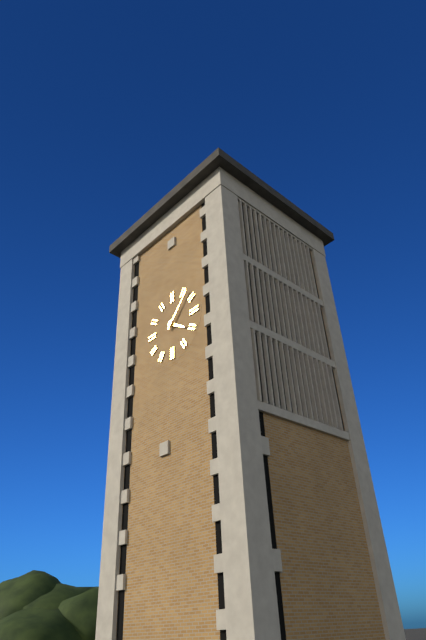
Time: {"hour": 4, "minute": 7}
